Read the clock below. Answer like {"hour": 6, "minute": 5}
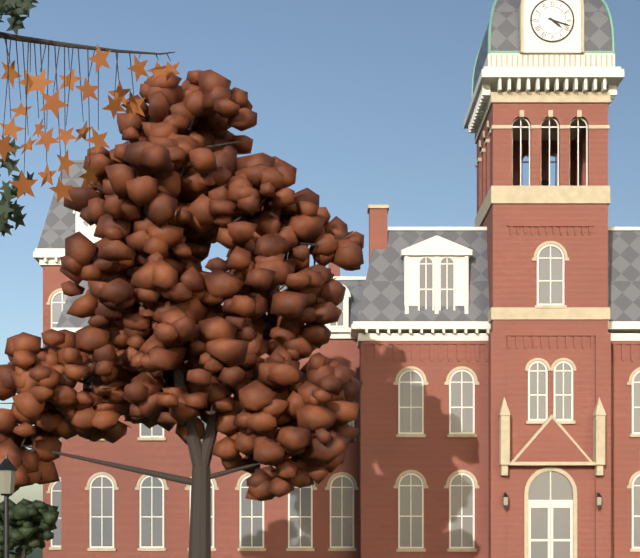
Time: {"hour": 4, "minute": 18}
